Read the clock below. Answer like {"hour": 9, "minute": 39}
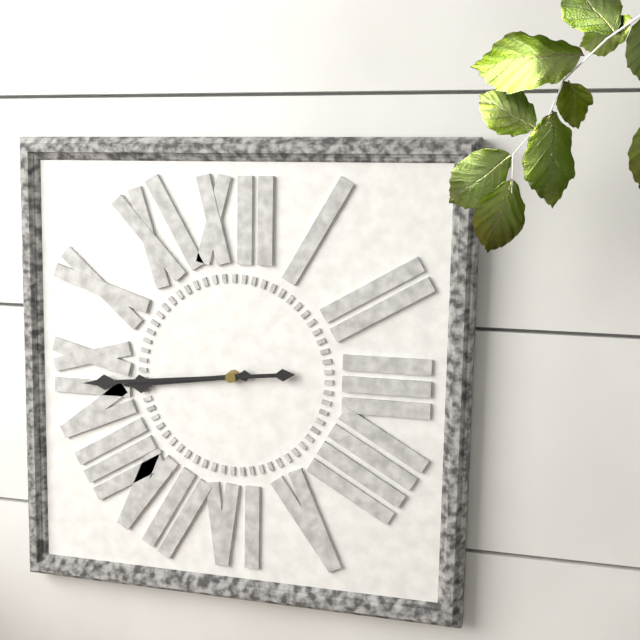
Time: {"hour": 8, "minute": 44}
